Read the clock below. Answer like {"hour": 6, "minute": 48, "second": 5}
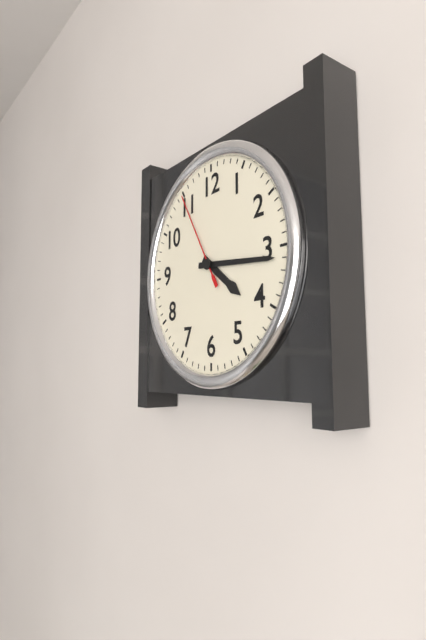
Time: {"hour": 4, "minute": 16, "second": 55}
